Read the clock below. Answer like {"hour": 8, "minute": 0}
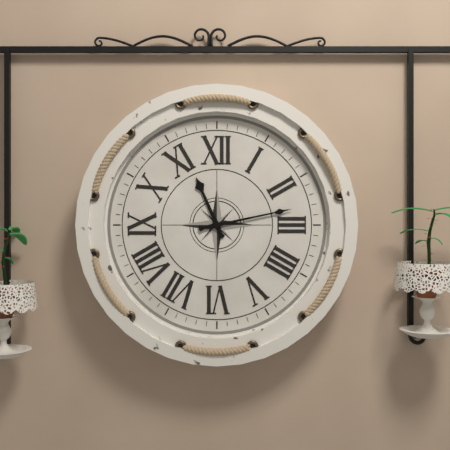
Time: {"hour": 11, "minute": 13}
